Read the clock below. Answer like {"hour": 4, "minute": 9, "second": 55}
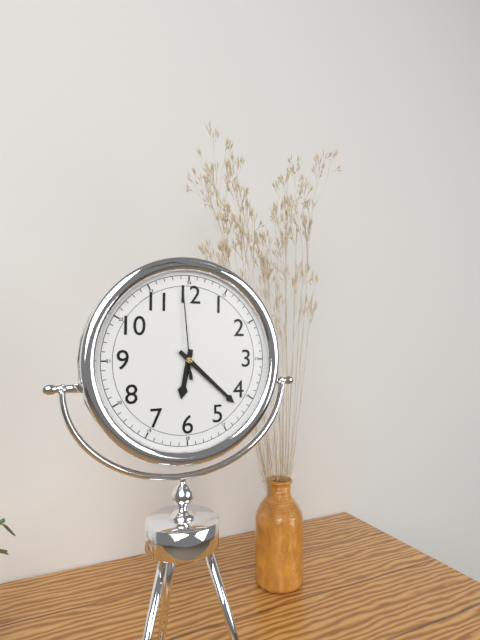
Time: {"hour": 6, "minute": 22, "second": 59}
